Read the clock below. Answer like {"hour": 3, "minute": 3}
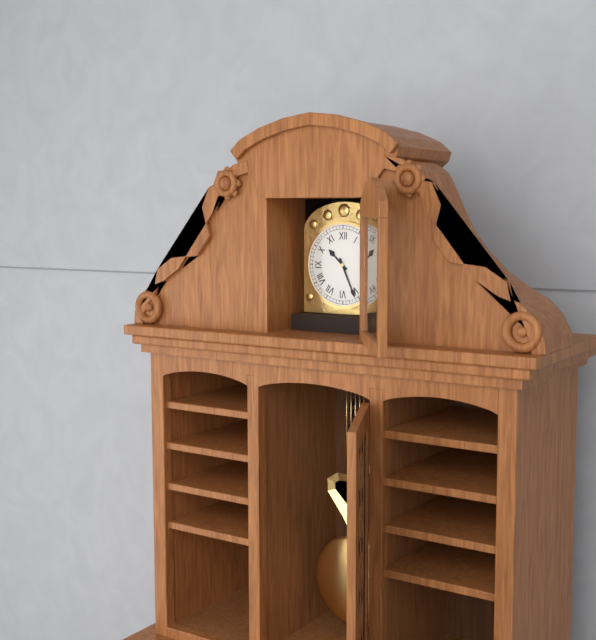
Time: {"hour": 10, "minute": 26}
